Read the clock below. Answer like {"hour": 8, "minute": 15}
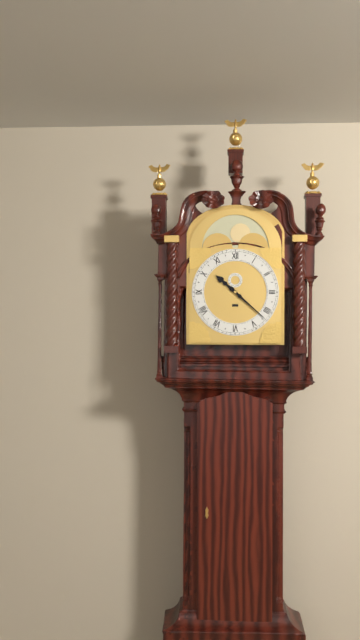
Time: {"hour": 10, "minute": 22}
